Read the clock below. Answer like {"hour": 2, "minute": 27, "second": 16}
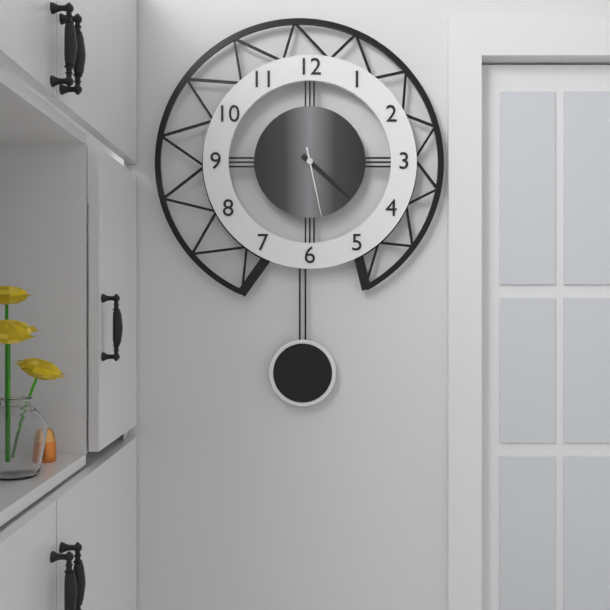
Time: {"hour": 4, "minute": 22, "second": 28}
